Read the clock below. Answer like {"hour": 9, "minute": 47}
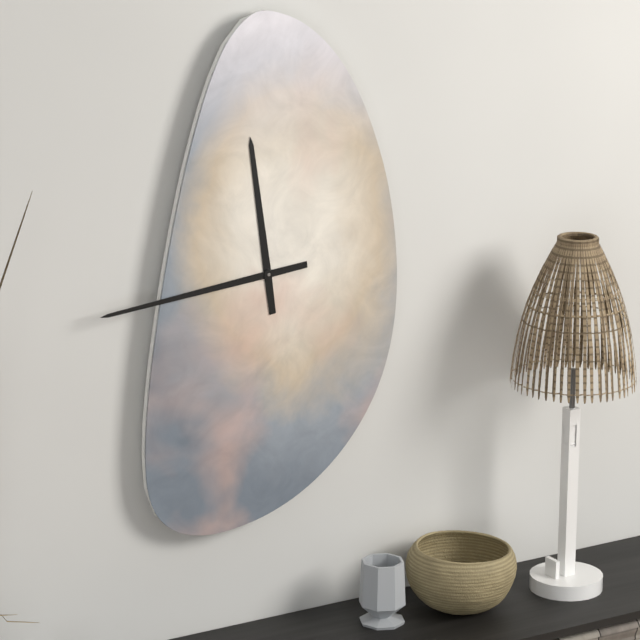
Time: {"hour": 11, "minute": 44}
